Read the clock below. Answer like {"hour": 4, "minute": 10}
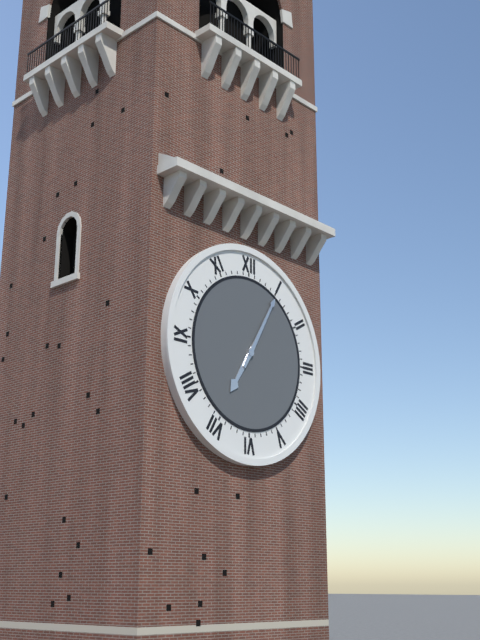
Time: {"hour": 7, "minute": 5}
